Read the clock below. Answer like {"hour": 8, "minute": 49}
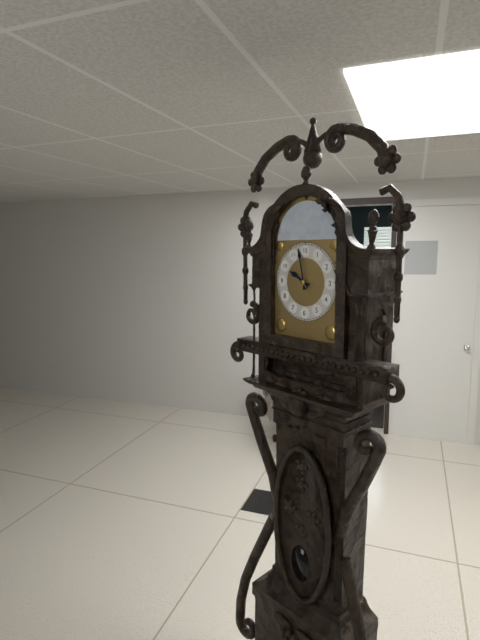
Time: {"hour": 9, "minute": 58}
